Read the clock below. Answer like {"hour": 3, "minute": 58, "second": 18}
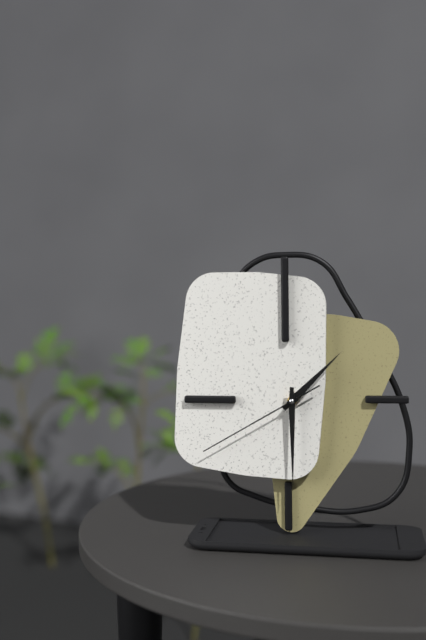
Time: {"hour": 1, "minute": 30, "second": 40}
